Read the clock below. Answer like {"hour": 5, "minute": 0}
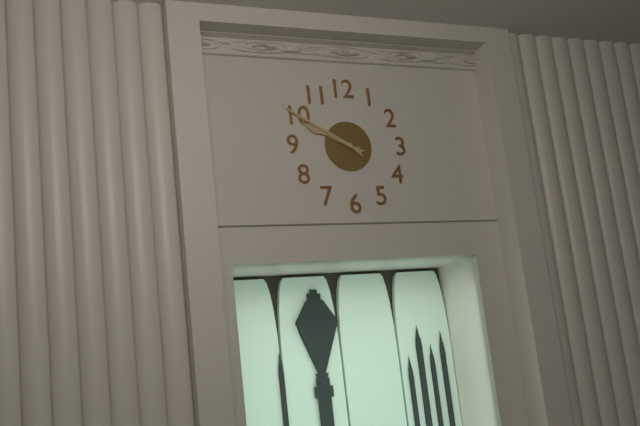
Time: {"hour": 9, "minute": 50}
